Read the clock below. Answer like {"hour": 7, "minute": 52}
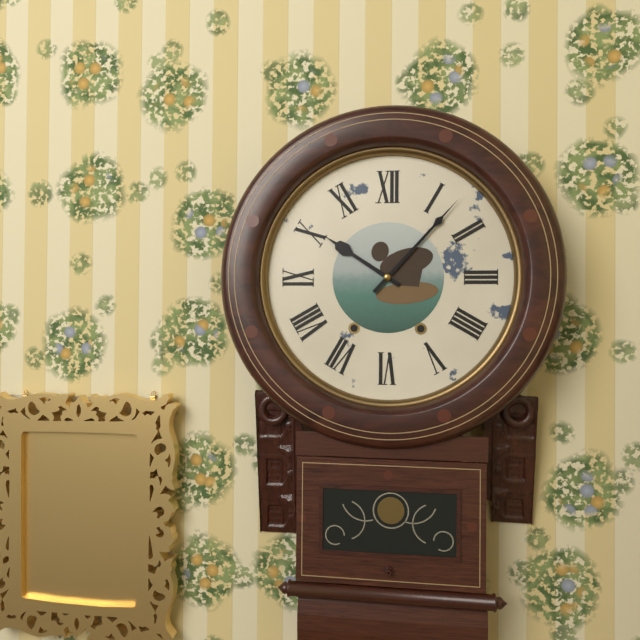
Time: {"hour": 10, "minute": 7}
